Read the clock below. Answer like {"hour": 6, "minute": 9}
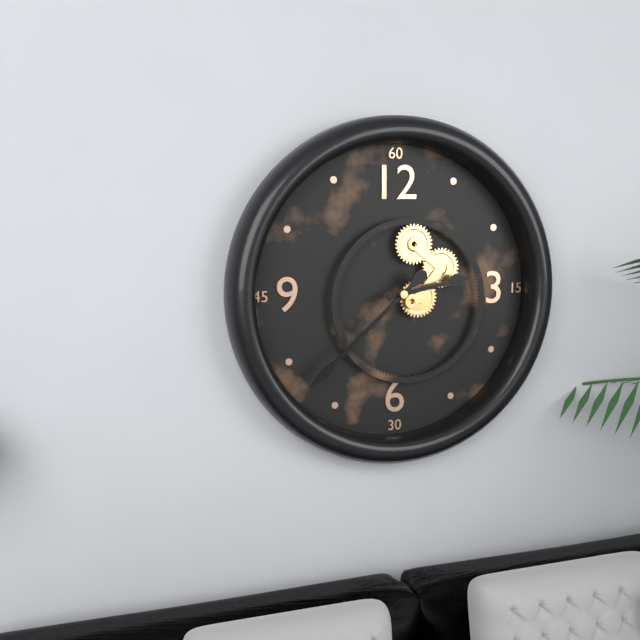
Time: {"hour": 2, "minute": 38}
